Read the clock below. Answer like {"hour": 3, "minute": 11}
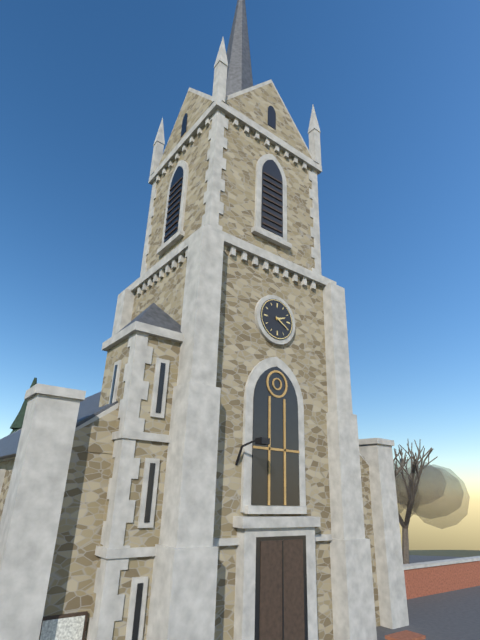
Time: {"hour": 2, "minute": 20}
